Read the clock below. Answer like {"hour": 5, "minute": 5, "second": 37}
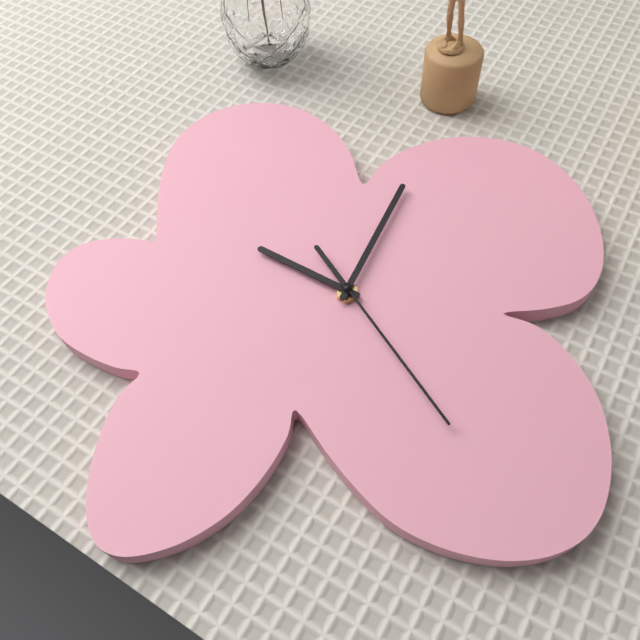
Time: {"hour": 10, "minute": 4, "second": 25}
